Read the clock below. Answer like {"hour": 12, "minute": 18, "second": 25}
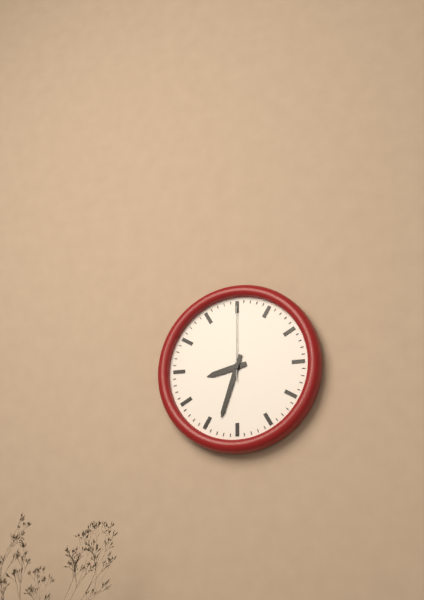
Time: {"hour": 8, "minute": 33, "second": 0}
